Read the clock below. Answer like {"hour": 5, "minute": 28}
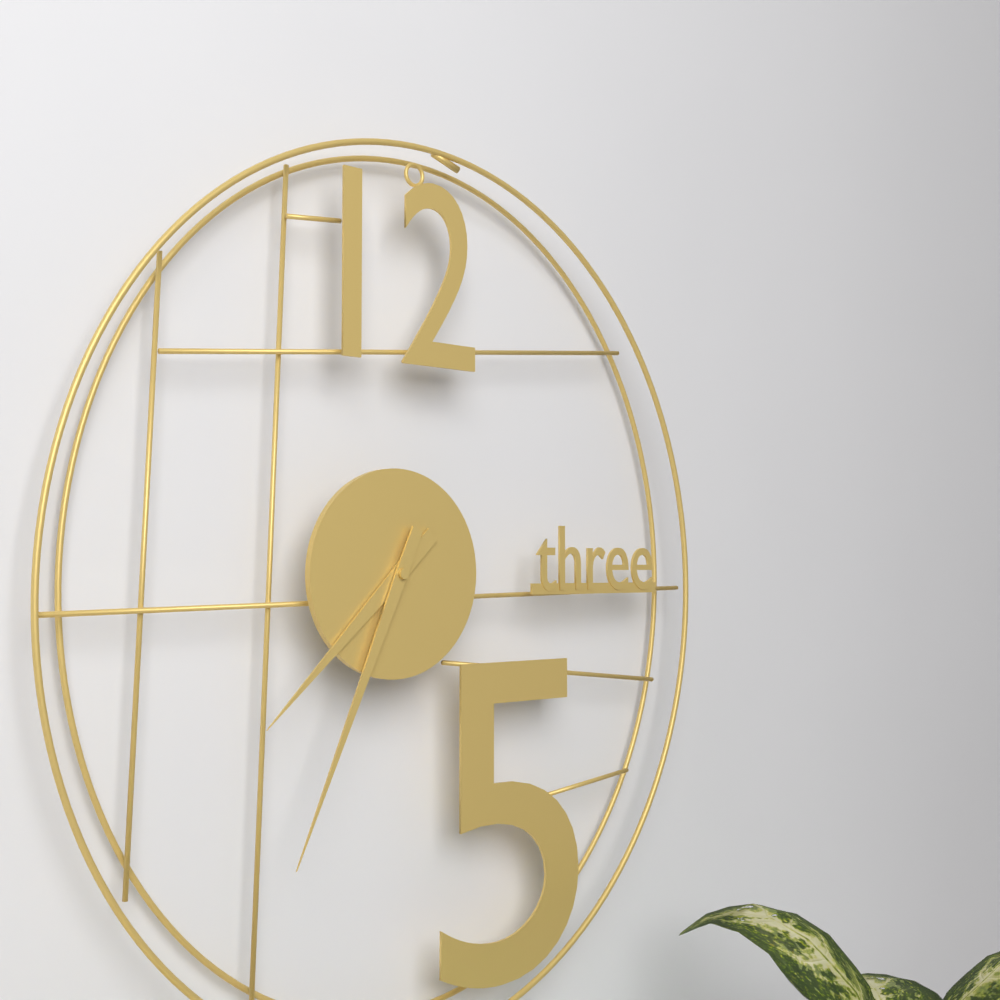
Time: {"hour": 7, "minute": 34}
